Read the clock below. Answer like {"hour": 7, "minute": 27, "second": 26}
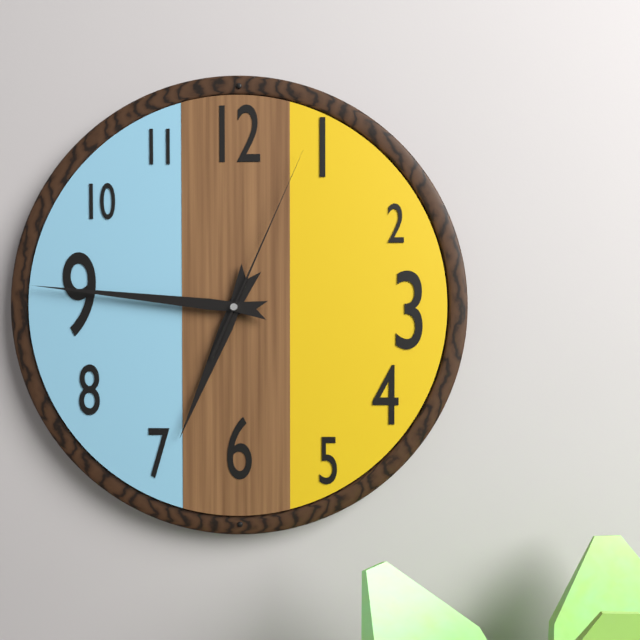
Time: {"hour": 6, "minute": 46, "second": 4}
